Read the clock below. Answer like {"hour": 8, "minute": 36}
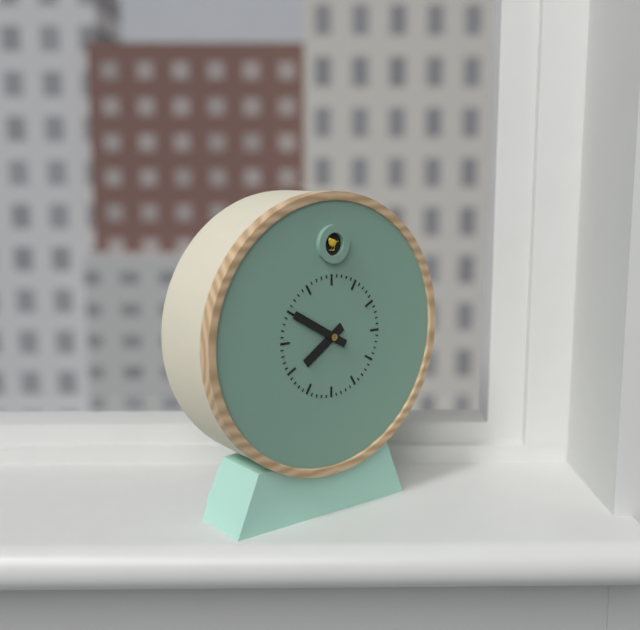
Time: {"hour": 7, "minute": 50}
